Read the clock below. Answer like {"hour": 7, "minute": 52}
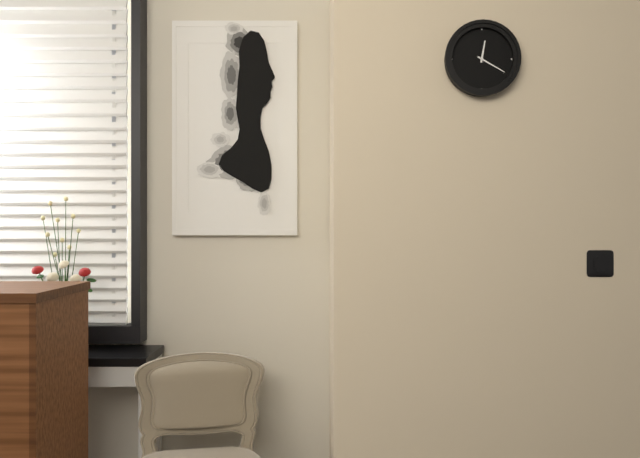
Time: {"hour": 12, "minute": 20}
